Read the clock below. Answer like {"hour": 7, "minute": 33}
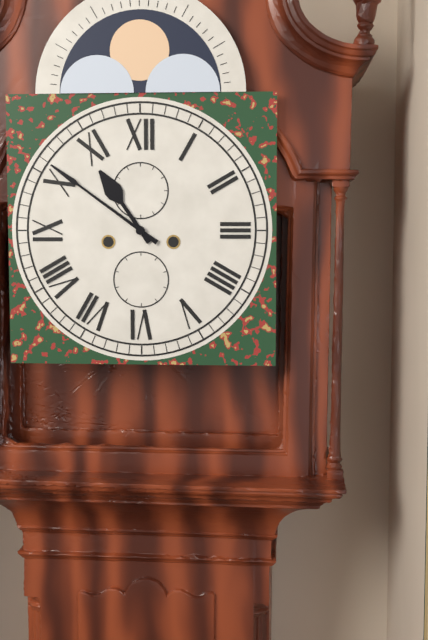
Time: {"hour": 10, "minute": 51}
